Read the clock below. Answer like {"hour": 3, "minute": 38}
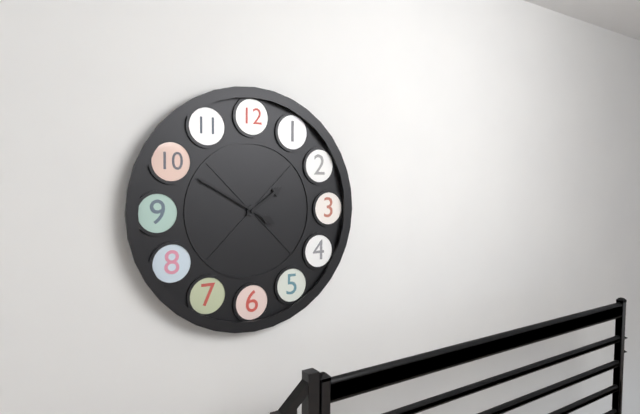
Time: {"hour": 1, "minute": 50}
